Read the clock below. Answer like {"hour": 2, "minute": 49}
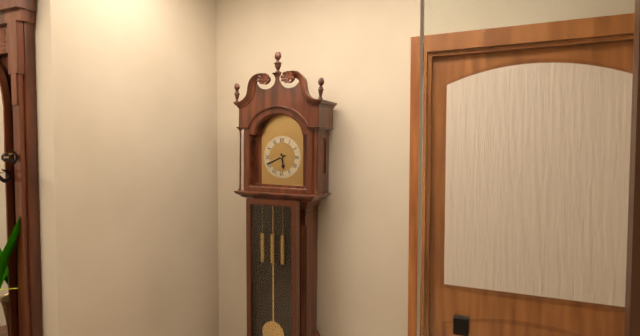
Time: {"hour": 5, "minute": 41}
